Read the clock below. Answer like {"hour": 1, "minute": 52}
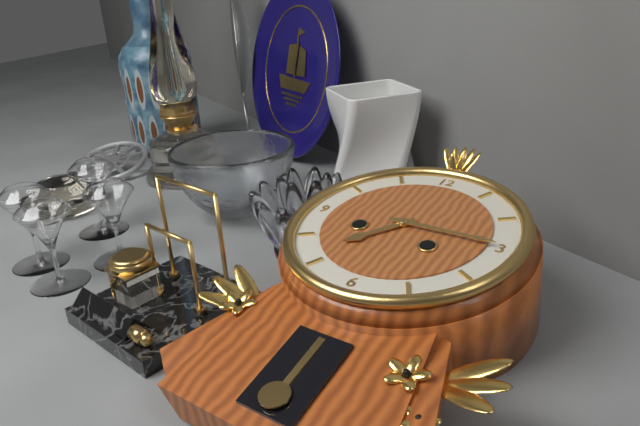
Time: {"hour": 7, "minute": 15}
